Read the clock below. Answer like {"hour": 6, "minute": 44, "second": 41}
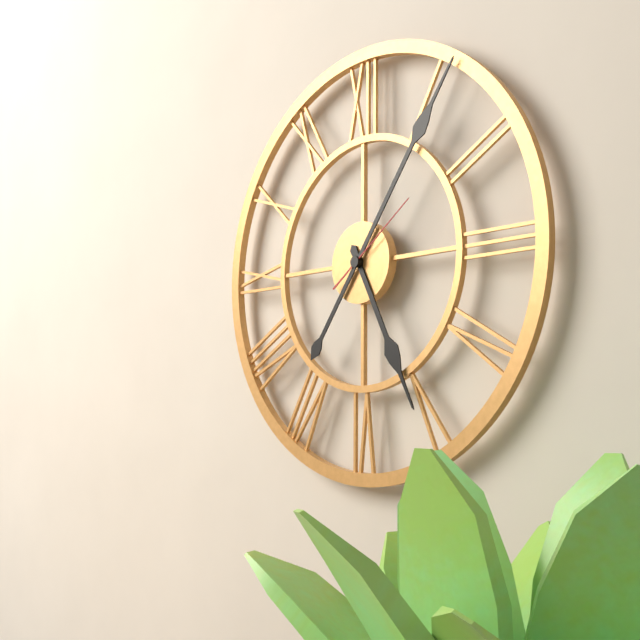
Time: {"hour": 5, "minute": 6, "second": 9}
